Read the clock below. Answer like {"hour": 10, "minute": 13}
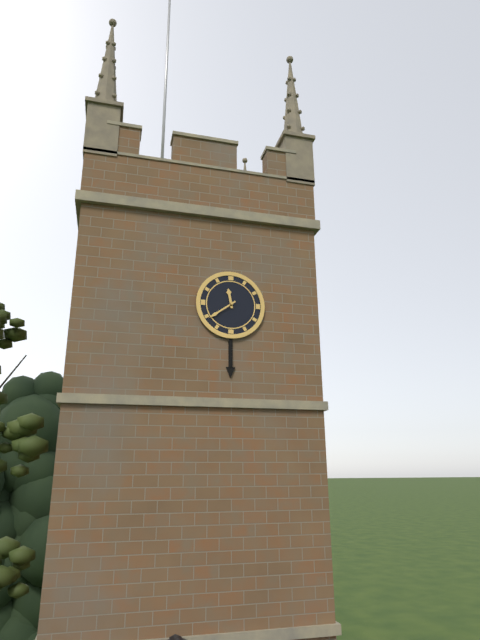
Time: {"hour": 11, "minute": 39}
